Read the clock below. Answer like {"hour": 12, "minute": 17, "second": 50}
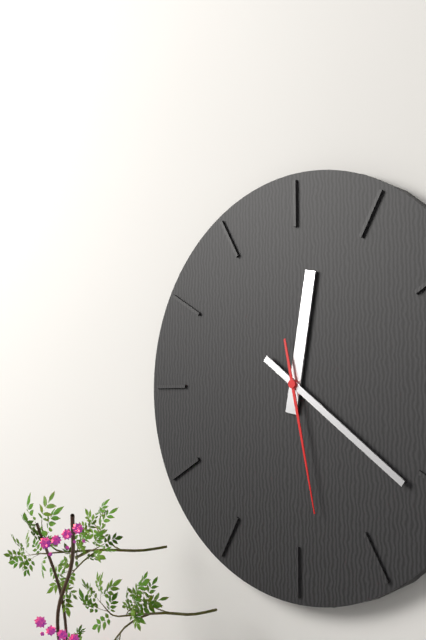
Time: {"hour": 12, "minute": 21, "second": 28}
